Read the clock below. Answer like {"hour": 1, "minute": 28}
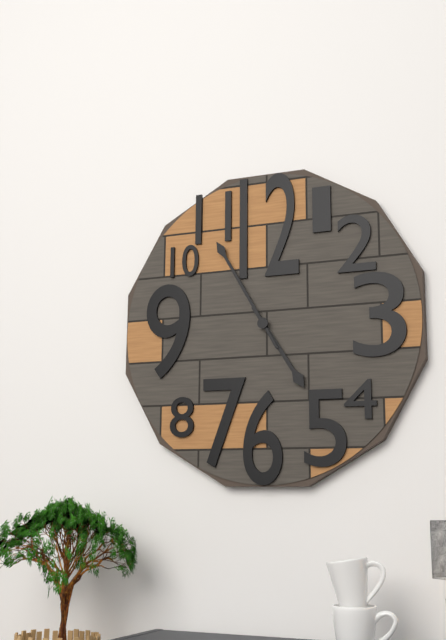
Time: {"hour": 4, "minute": 55}
